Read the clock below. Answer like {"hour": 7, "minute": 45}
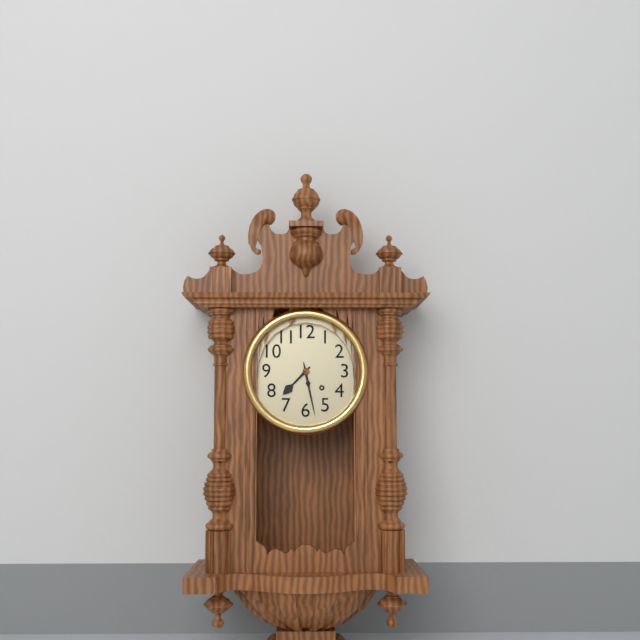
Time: {"hour": 7, "minute": 28}
